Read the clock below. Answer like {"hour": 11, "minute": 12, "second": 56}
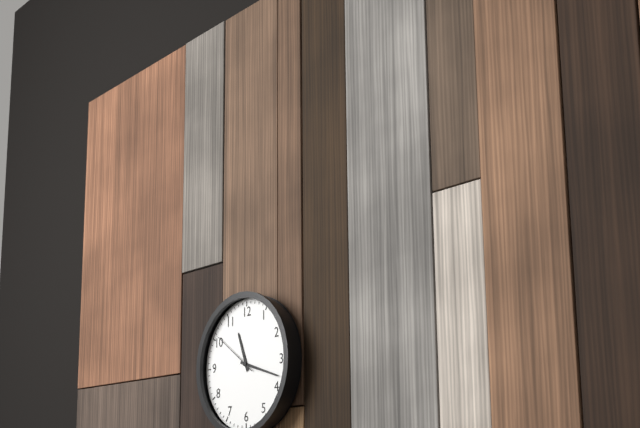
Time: {"hour": 11, "minute": 18, "second": 51}
